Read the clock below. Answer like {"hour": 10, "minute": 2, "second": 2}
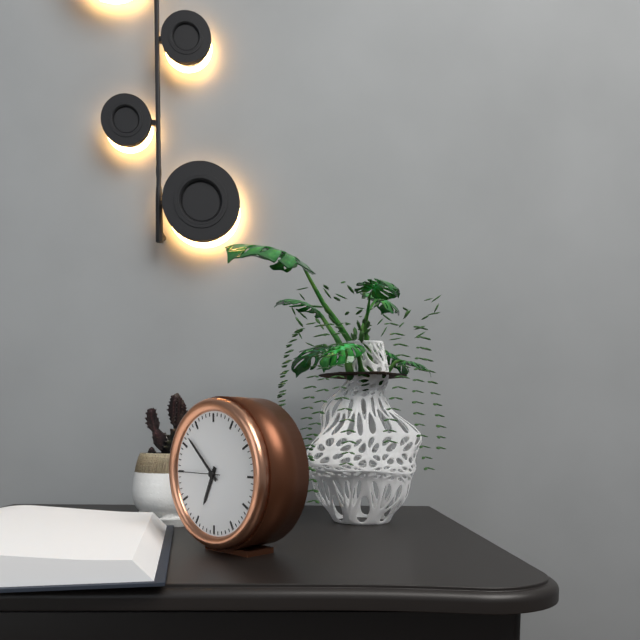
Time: {"hour": 6, "minute": 52, "second": 45}
